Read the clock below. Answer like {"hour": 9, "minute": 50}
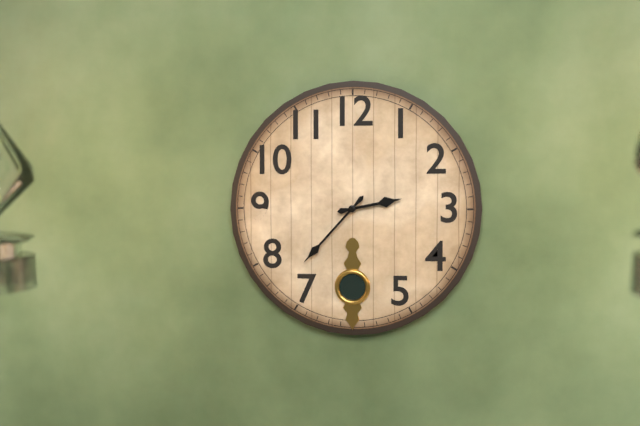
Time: {"hour": 2, "minute": 37}
